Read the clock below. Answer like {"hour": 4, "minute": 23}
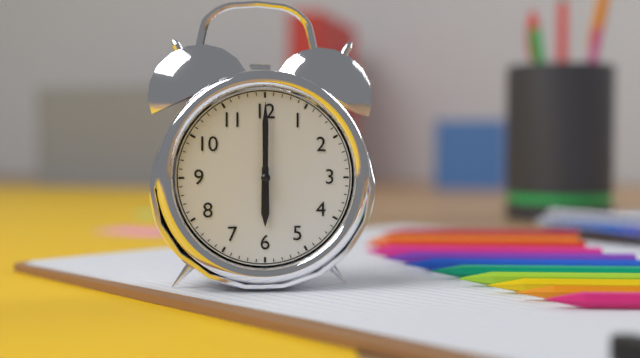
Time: {"hour": 6, "minute": 0}
